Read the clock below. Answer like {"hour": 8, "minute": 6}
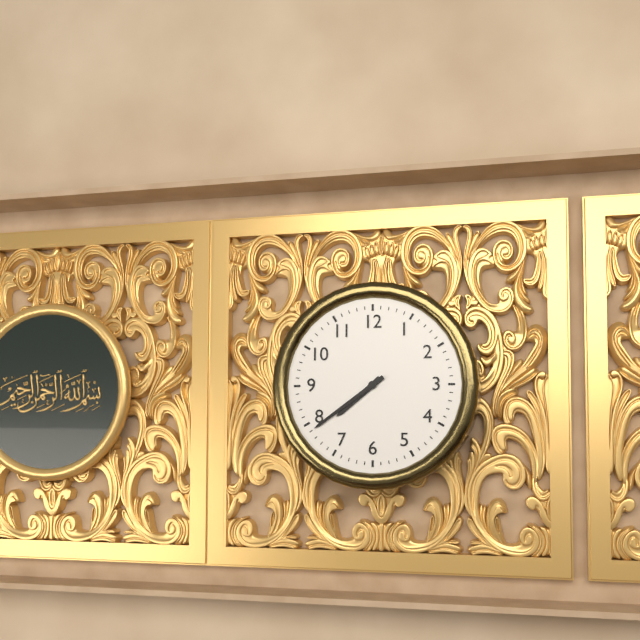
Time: {"hour": 7, "minute": 39}
